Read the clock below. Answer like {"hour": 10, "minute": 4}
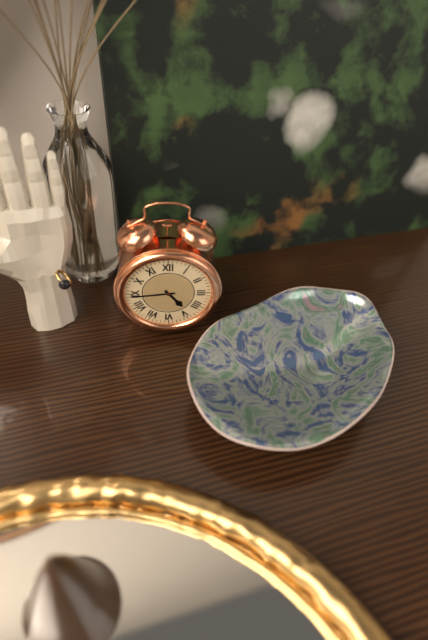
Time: {"hour": 4, "minute": 44}
